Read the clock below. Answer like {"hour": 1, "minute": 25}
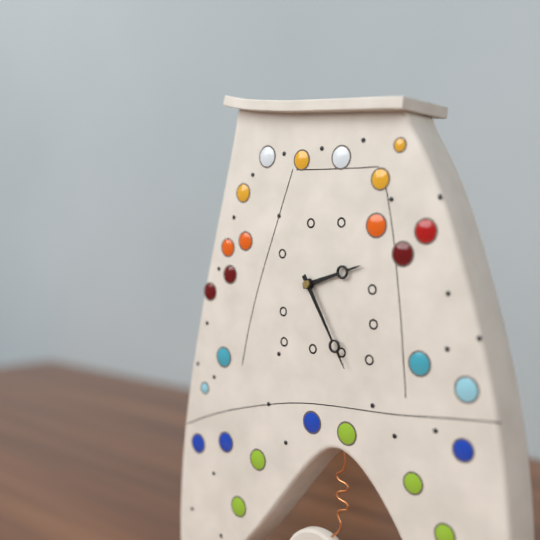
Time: {"hour": 2, "minute": 25}
